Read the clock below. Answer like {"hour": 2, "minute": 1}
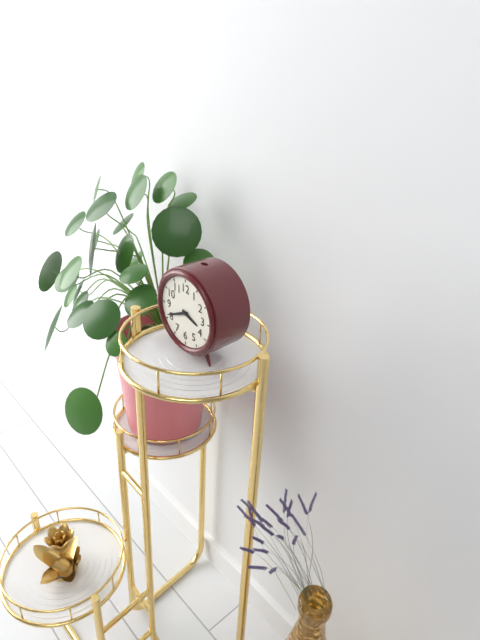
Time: {"hour": 3, "minute": 41}
